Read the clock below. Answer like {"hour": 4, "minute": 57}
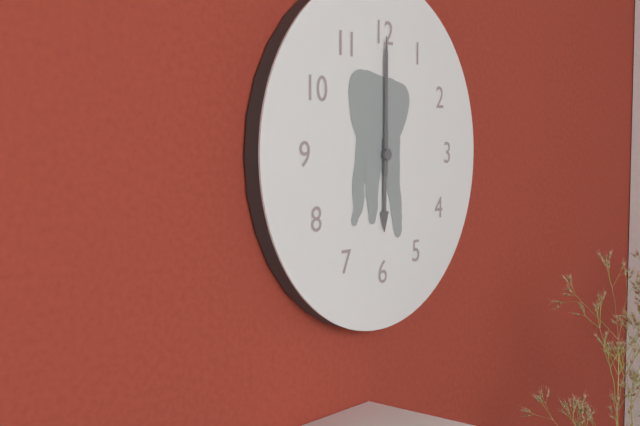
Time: {"hour": 6, "minute": 0}
